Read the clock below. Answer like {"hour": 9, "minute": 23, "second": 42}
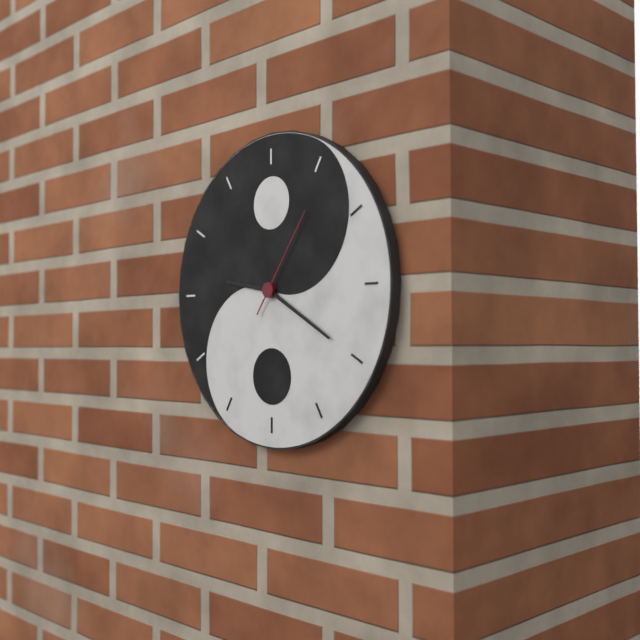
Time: {"hour": 9, "minute": 20, "second": 6}
